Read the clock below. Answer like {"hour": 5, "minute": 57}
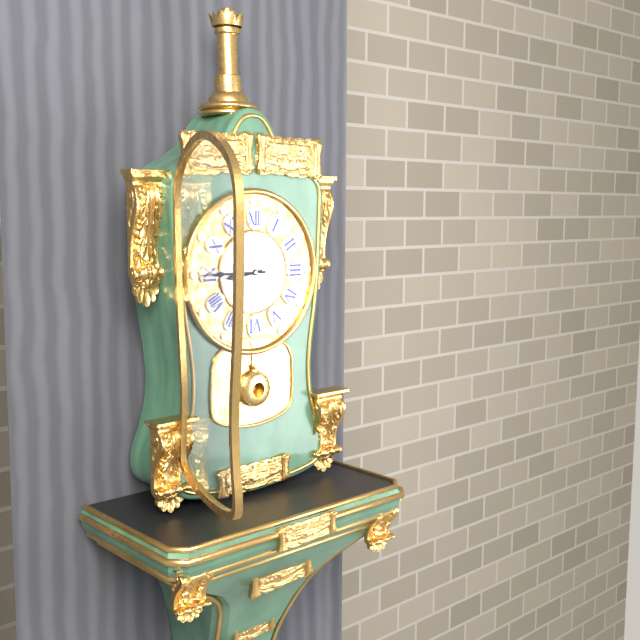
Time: {"hour": 8, "minute": 45}
